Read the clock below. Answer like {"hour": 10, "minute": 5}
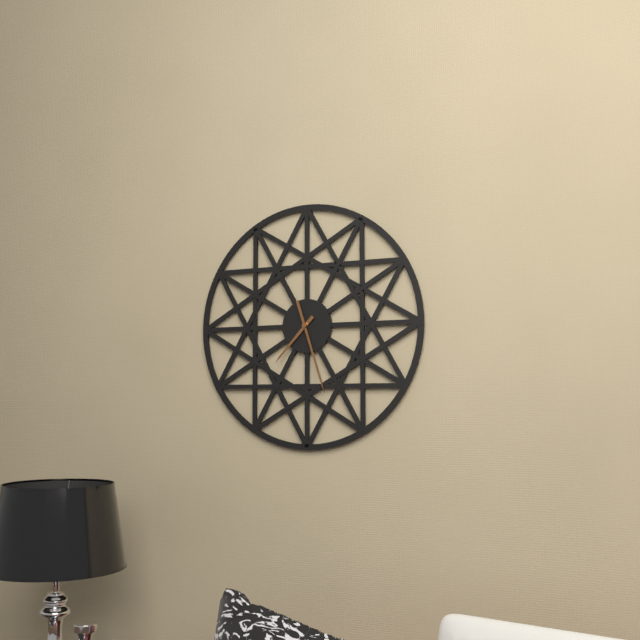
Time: {"hour": 7, "minute": 27}
